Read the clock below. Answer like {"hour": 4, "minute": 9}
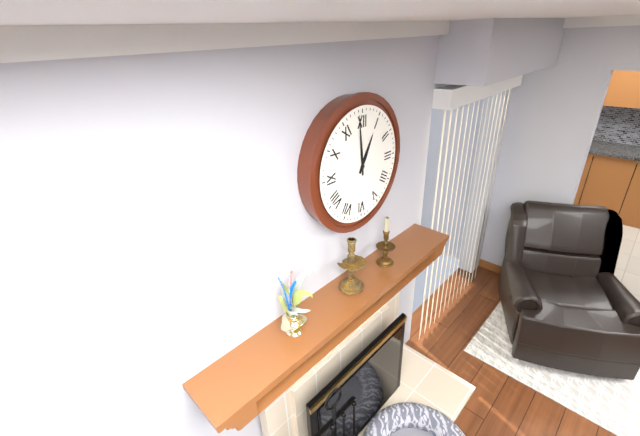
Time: {"hour": 12, "minute": 59}
